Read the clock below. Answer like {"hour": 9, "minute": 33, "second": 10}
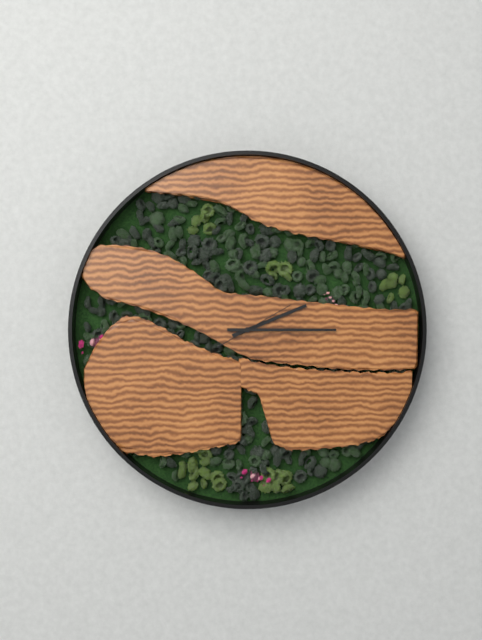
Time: {"hour": 2, "minute": 15, "second": 10}
